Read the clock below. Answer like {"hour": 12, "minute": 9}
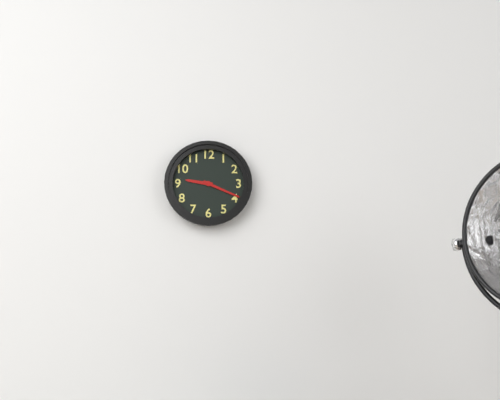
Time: {"hour": 9, "minute": 19}
